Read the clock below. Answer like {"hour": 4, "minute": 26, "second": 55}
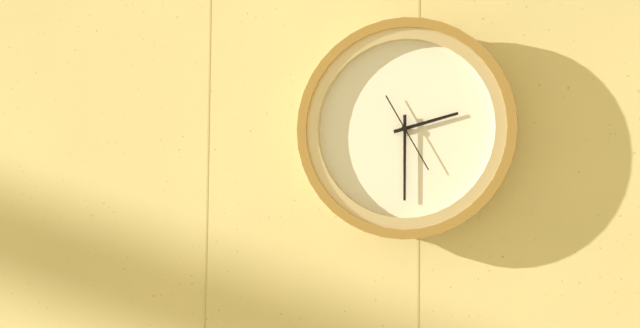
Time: {"hour": 2, "minute": 30, "second": 25}
